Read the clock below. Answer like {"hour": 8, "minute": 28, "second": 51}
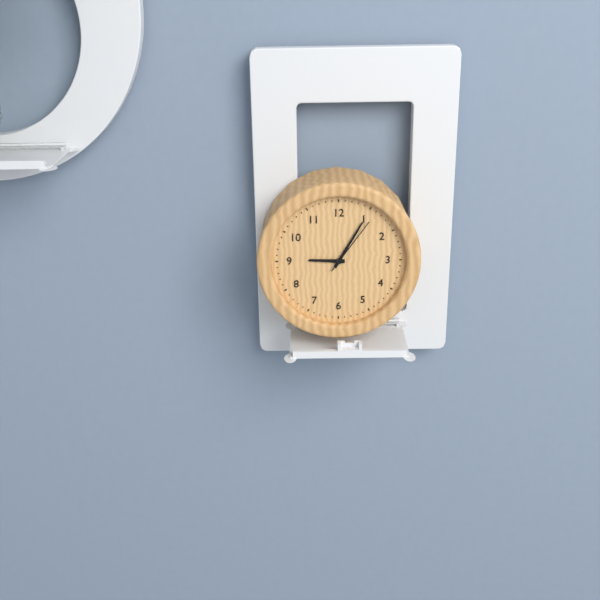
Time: {"hour": 9, "minute": 5, "second": 6}
